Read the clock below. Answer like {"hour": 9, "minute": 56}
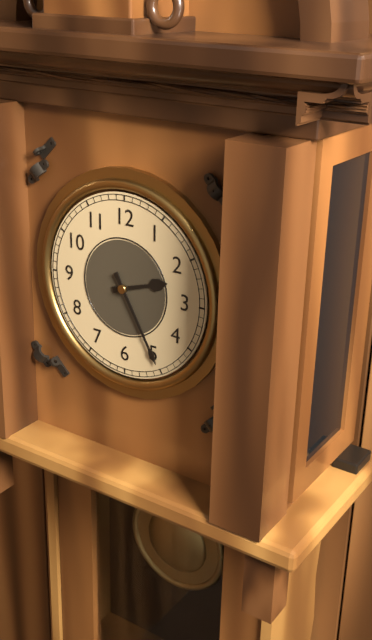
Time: {"hour": 2, "minute": 25}
